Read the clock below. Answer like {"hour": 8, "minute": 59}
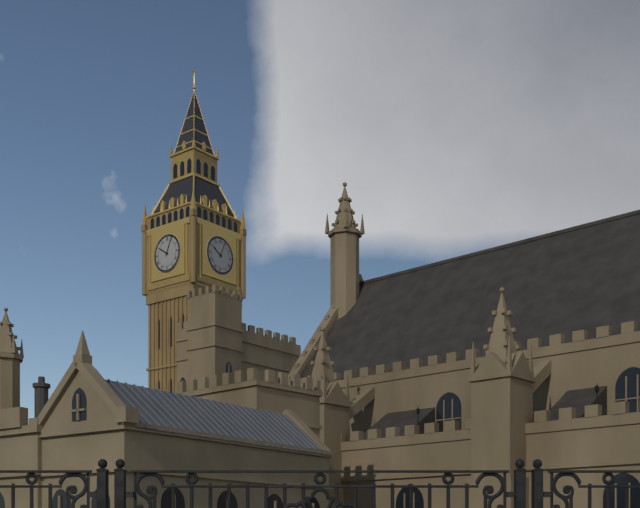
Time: {"hour": 10, "minute": 4}
